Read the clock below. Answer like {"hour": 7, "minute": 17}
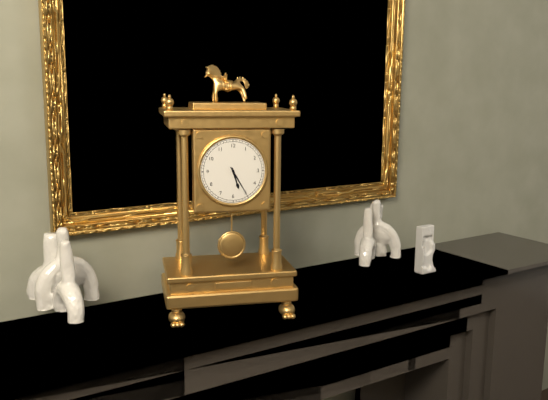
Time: {"hour": 5, "minute": 25}
